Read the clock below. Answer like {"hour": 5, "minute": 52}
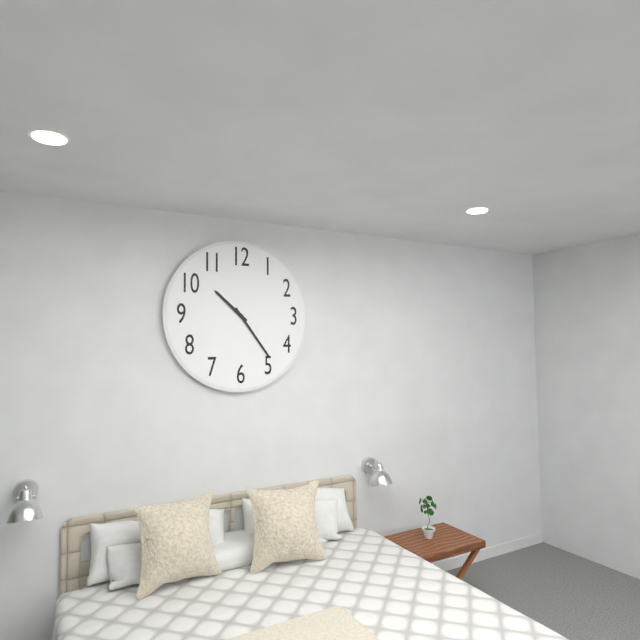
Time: {"hour": 10, "minute": 24}
